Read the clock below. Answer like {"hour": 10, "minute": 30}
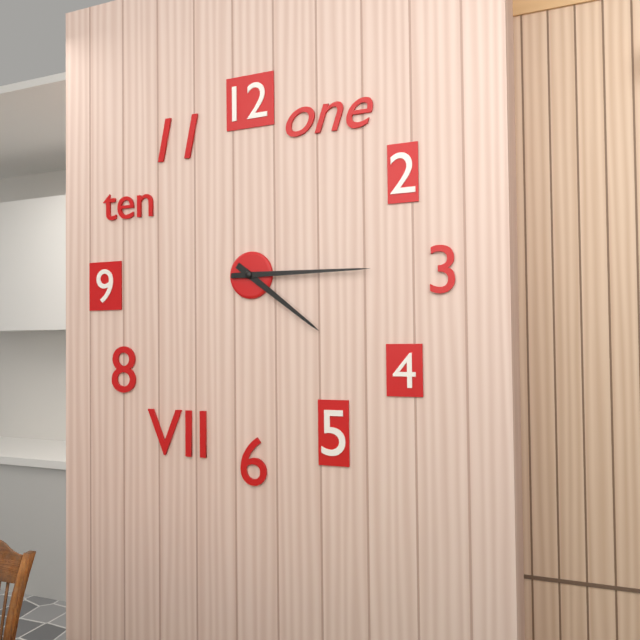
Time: {"hour": 4, "minute": 15}
